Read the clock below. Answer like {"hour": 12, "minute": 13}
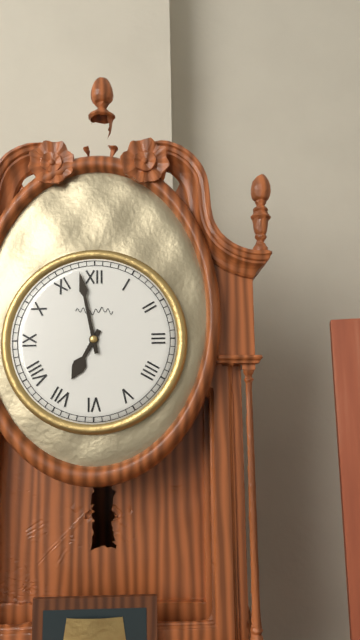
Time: {"hour": 6, "minute": 58}
